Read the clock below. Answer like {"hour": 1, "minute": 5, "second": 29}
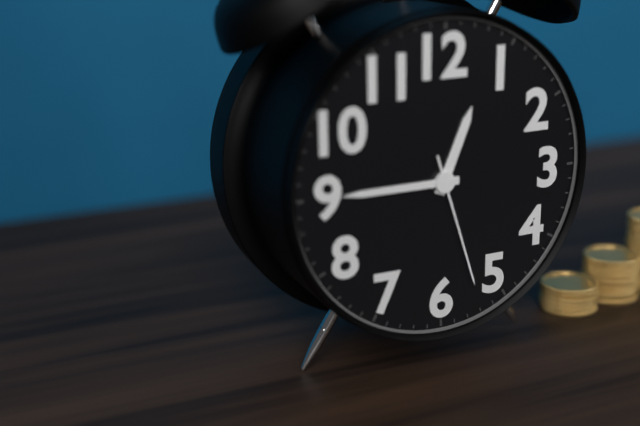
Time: {"hour": 12, "minute": 45, "second": 27}
